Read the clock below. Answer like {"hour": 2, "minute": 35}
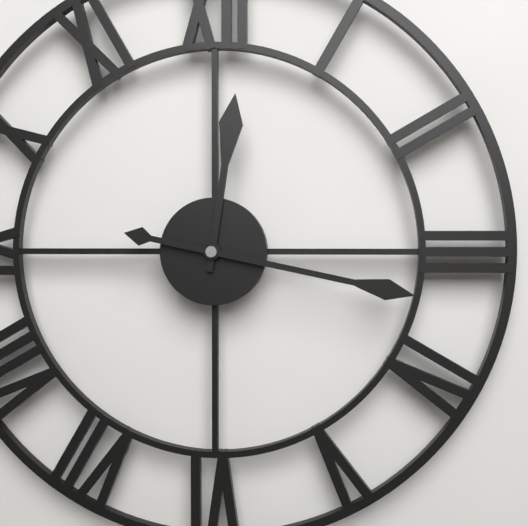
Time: {"hour": 12, "minute": 17}
